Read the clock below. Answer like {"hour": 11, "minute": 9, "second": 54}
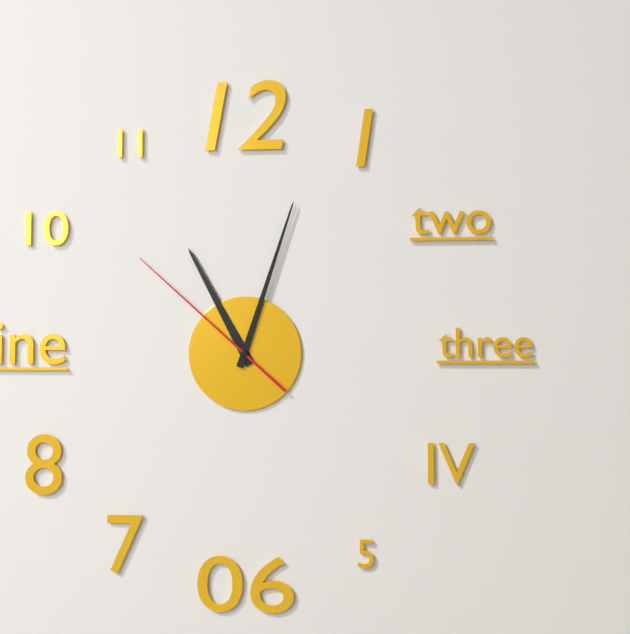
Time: {"hour": 11, "minute": 3, "second": 52}
